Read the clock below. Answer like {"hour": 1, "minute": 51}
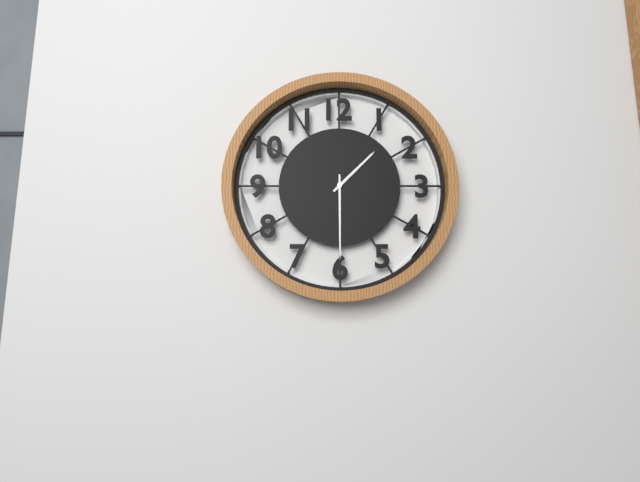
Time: {"hour": 1, "minute": 30}
